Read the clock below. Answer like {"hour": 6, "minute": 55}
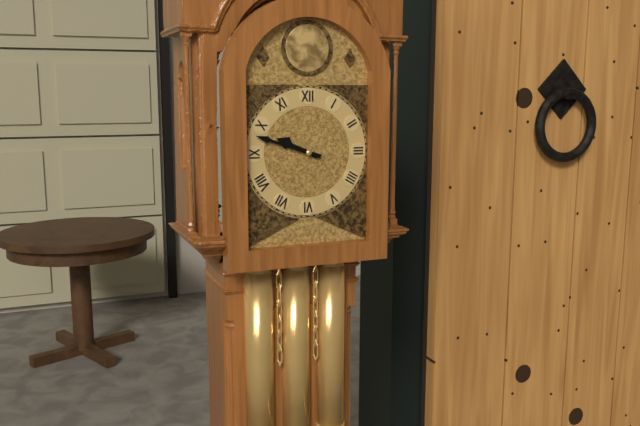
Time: {"hour": 9, "minute": 48}
